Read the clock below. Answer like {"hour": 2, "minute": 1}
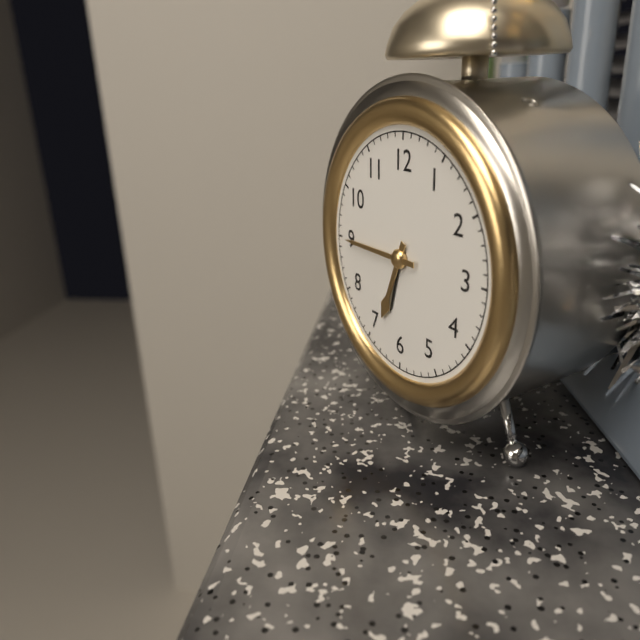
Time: {"hour": 6, "minute": 45}
